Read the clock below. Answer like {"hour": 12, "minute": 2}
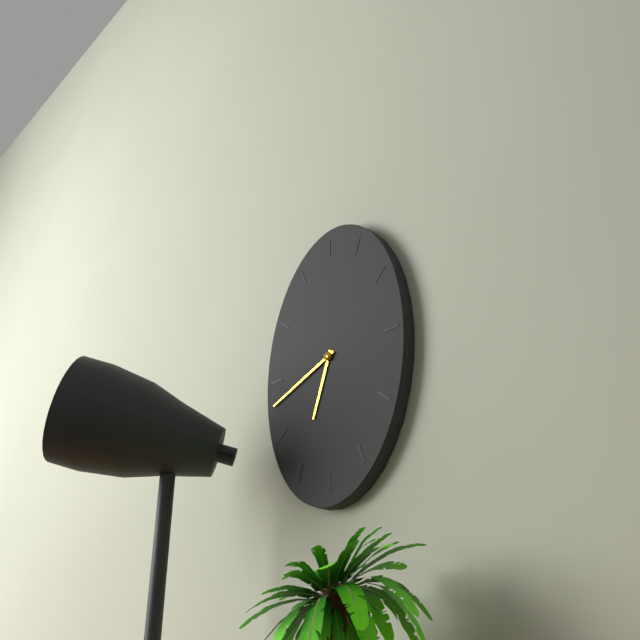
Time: {"hour": 6, "minute": 42}
